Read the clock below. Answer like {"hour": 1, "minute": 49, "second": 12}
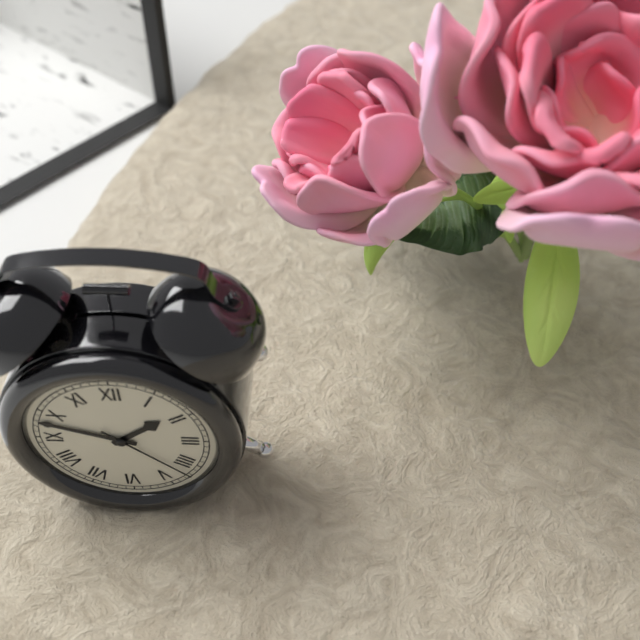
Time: {"hour": 1, "minute": 48, "second": 22}
